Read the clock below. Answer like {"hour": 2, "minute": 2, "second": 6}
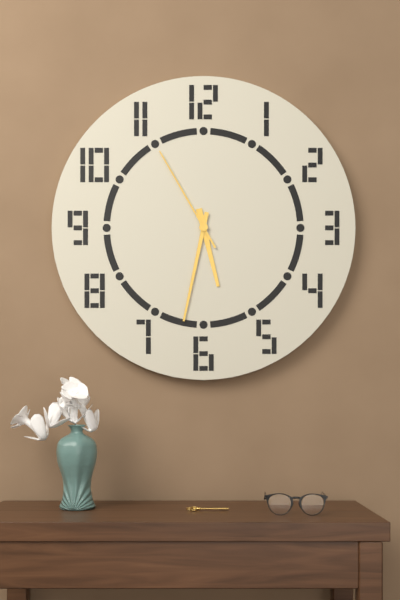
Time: {"hour": 5, "minute": 32, "second": 55}
